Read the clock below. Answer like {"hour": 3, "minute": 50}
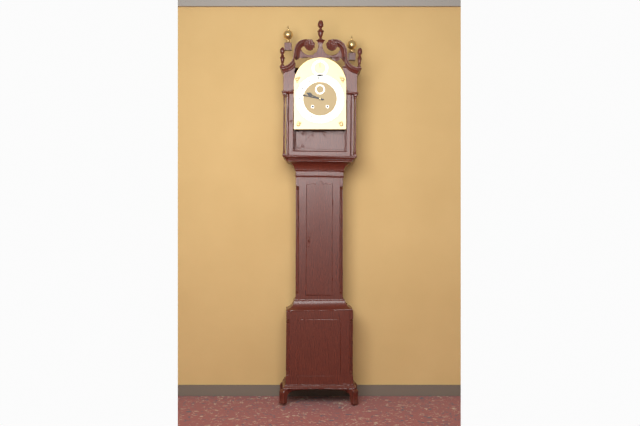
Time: {"hour": 9, "minute": 47}
